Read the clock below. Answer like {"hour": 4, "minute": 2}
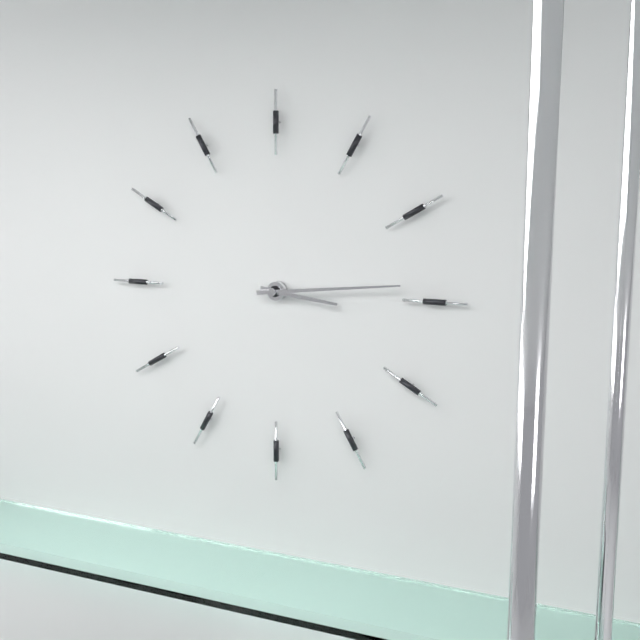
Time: {"hour": 3, "minute": 14}
